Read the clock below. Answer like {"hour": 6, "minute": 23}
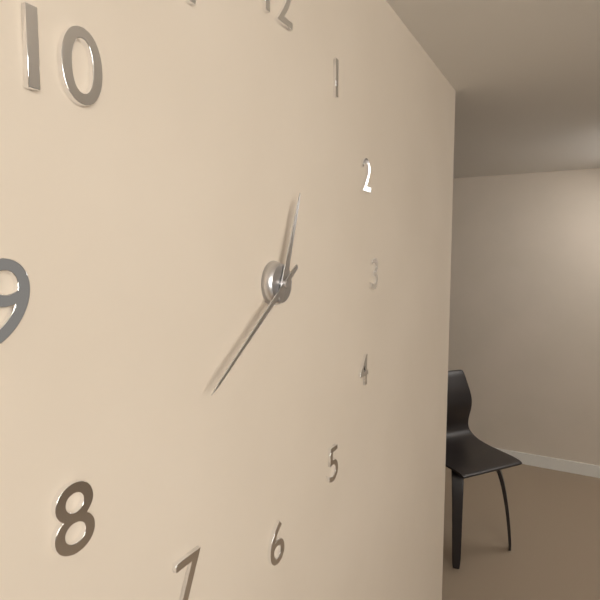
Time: {"hour": 12, "minute": 39}
